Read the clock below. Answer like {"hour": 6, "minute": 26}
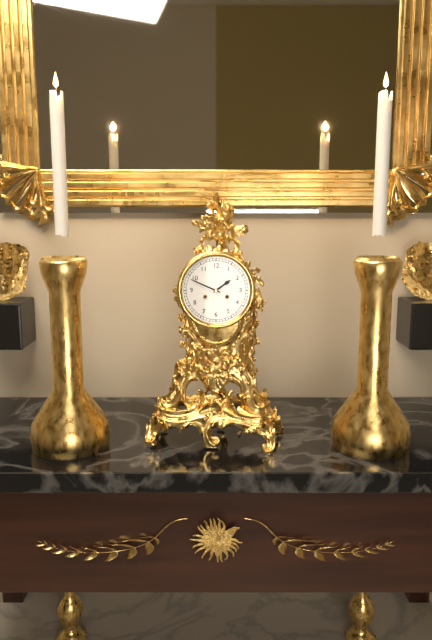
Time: {"hour": 1, "minute": 49}
